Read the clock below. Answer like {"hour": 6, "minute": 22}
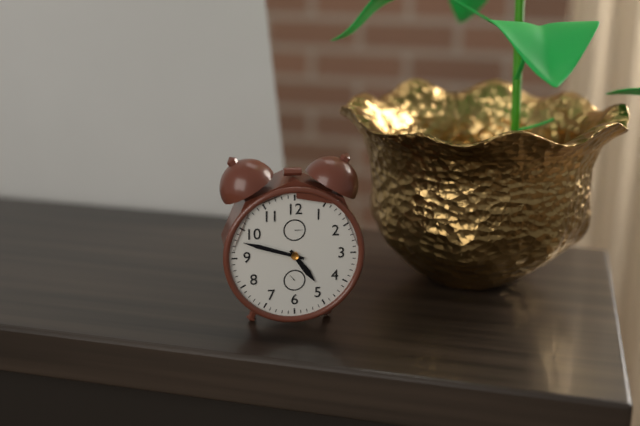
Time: {"hour": 4, "minute": 48}
